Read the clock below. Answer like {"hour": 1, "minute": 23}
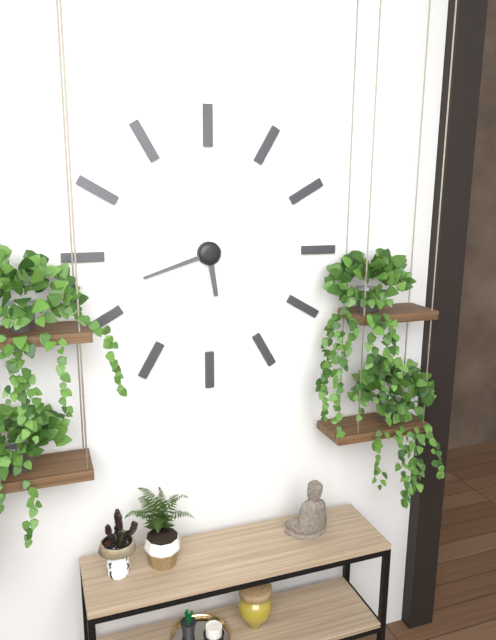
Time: {"hour": 5, "minute": 42}
